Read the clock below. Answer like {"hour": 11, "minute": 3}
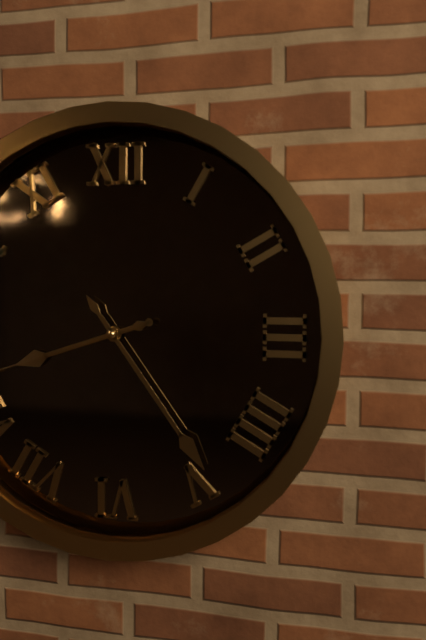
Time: {"hour": 8, "minute": 24}
